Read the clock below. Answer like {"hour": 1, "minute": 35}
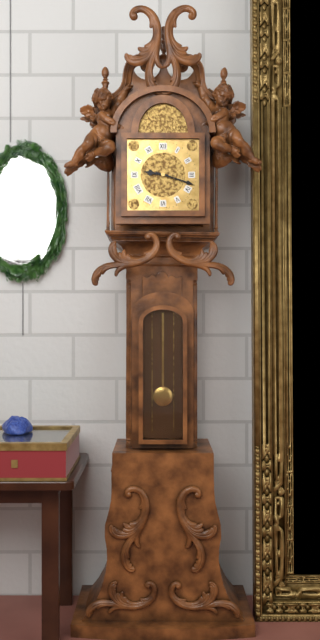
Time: {"hour": 9, "minute": 18}
